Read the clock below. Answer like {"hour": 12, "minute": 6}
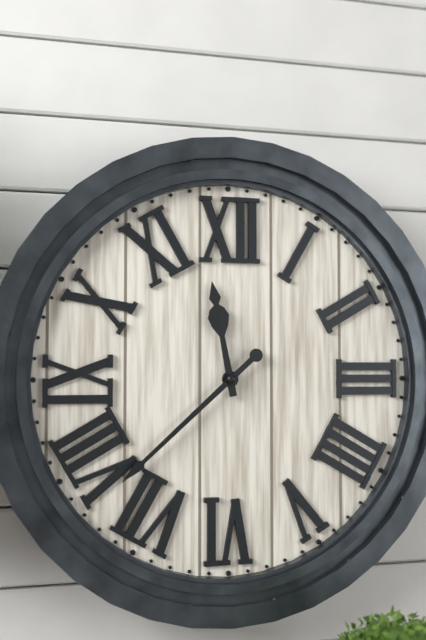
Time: {"hour": 11, "minute": 38}
